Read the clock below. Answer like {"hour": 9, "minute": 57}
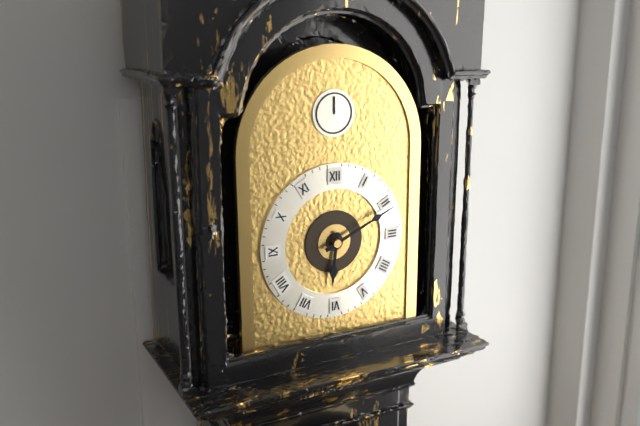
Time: {"hour": 6, "minute": 11}
